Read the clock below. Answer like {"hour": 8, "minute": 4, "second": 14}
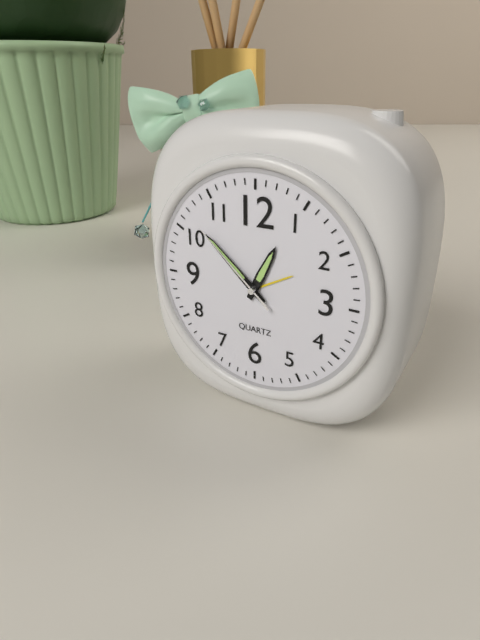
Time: {"hour": 12, "minute": 52, "second": 52}
